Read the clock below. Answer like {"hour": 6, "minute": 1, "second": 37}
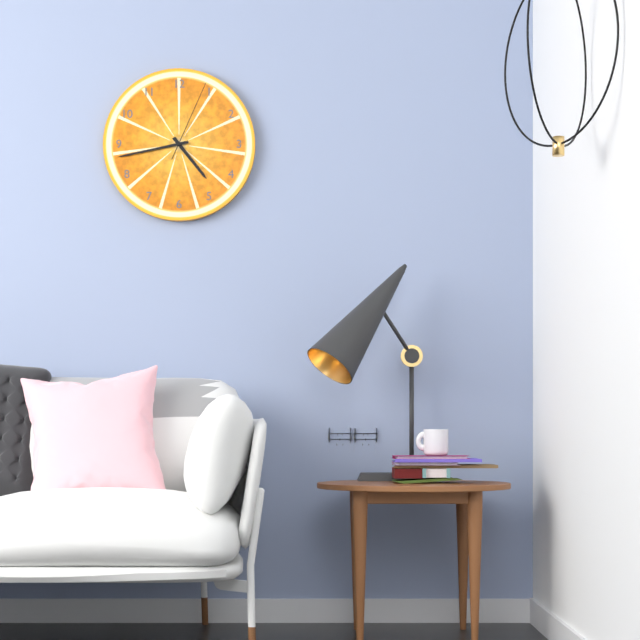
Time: {"hour": 4, "minute": 43, "second": 4}
